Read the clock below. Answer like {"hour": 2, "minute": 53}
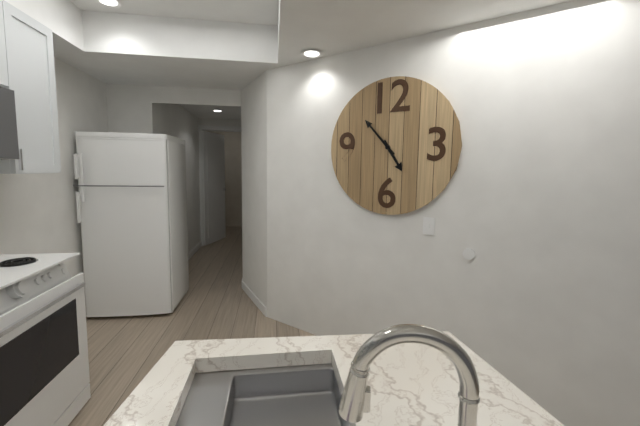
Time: {"hour": 4, "minute": 53}
